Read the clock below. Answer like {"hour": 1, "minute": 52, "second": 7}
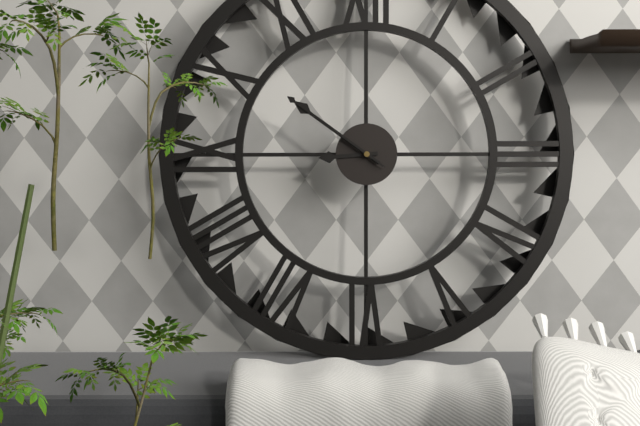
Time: {"hour": 8, "minute": 51, "second": 51}
